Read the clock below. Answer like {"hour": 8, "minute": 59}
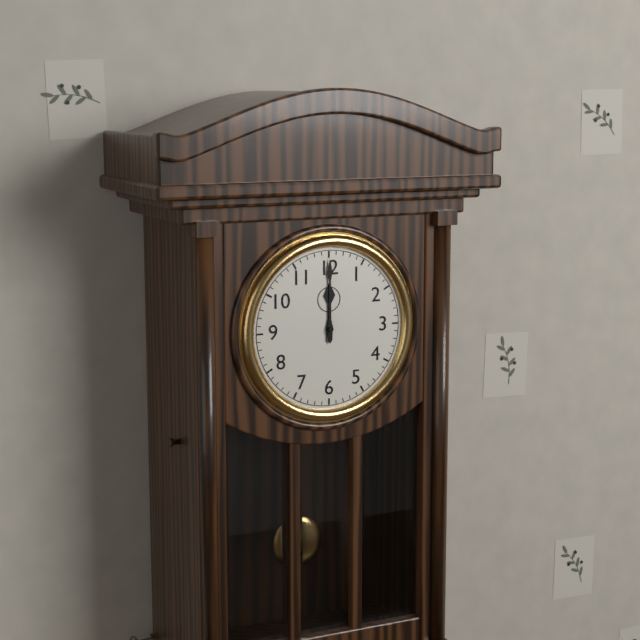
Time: {"hour": 12, "minute": 0}
